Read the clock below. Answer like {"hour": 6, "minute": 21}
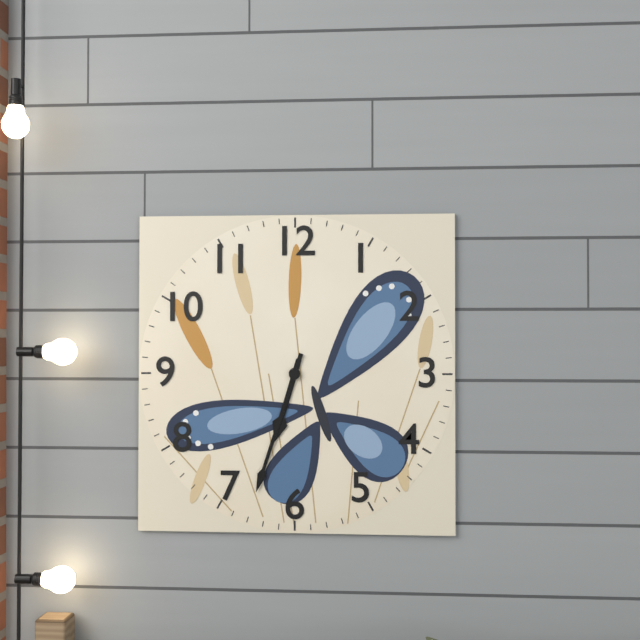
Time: {"hour": 6, "minute": 33}
